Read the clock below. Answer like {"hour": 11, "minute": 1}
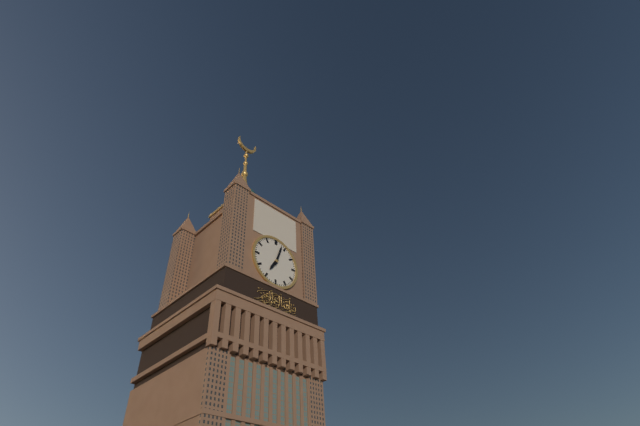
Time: {"hour": 7, "minute": 3}
